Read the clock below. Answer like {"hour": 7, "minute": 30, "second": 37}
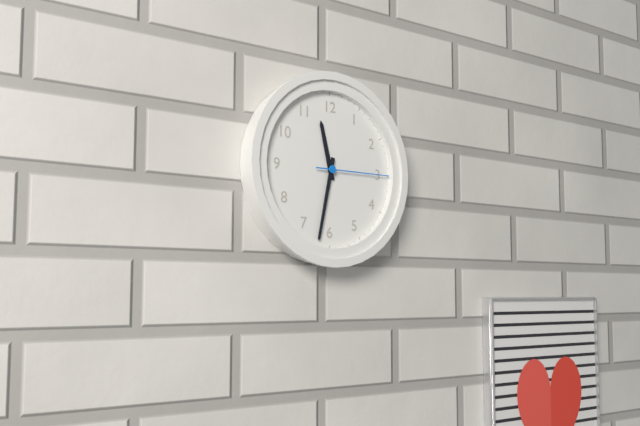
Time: {"hour": 11, "minute": 32, "second": 15}
